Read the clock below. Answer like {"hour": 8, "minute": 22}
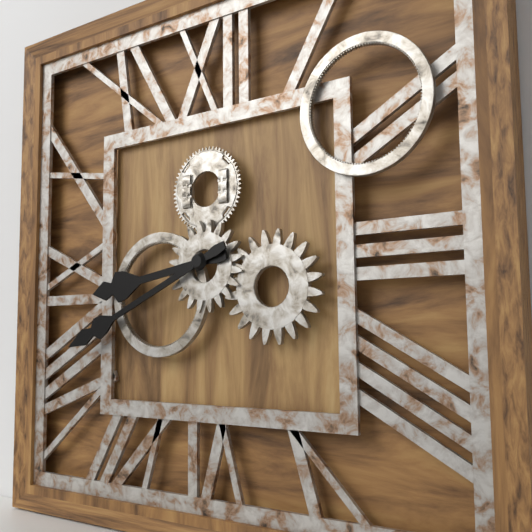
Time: {"hour": 8, "minute": 41}
